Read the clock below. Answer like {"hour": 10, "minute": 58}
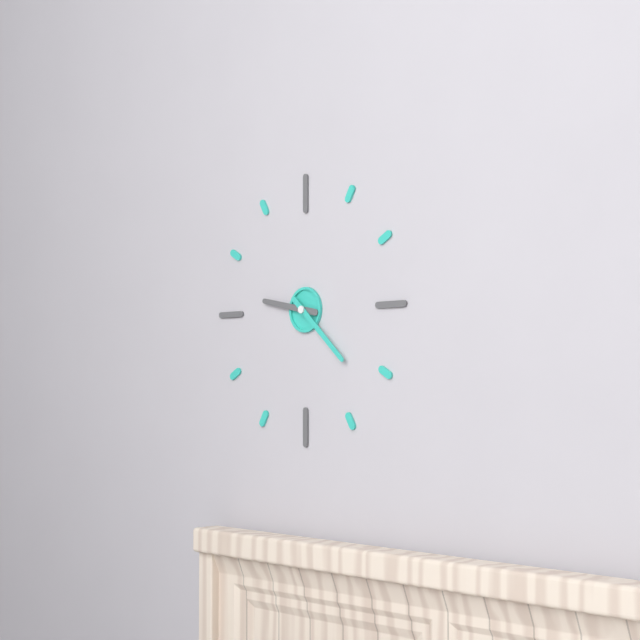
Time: {"hour": 9, "minute": 22}
